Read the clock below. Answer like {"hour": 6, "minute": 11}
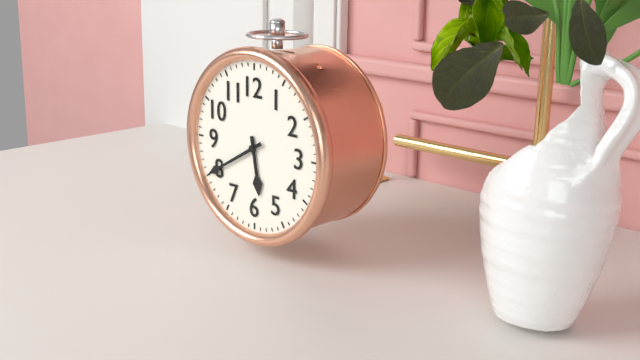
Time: {"hour": 5, "minute": 40}
